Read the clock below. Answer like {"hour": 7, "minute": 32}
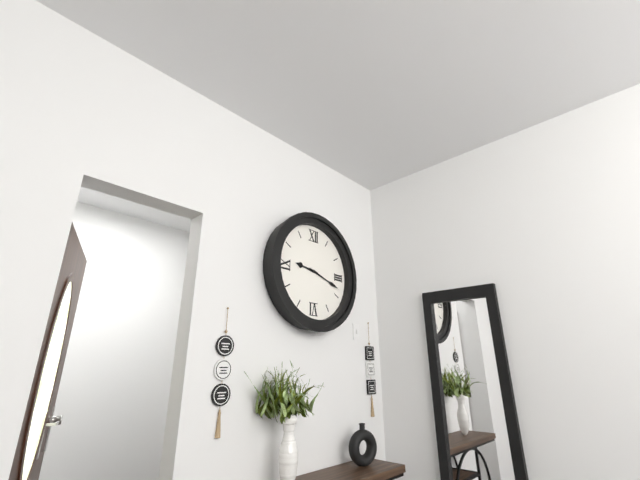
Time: {"hour": 9, "minute": 18}
